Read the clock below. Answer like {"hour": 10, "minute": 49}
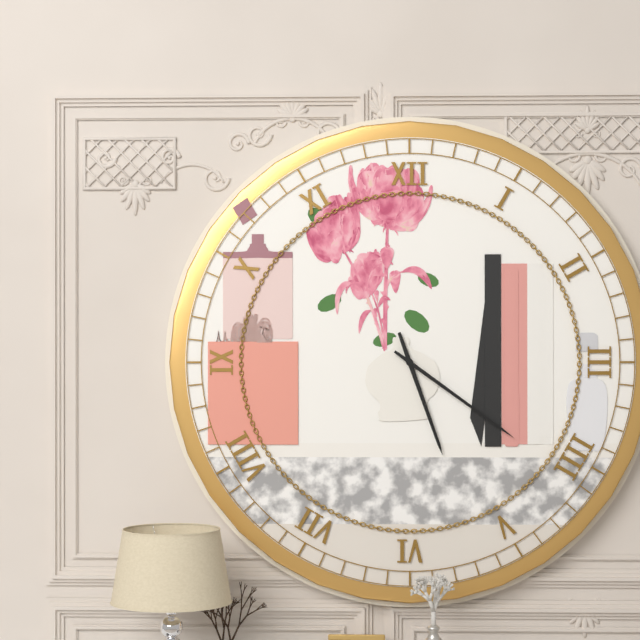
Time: {"hour": 5, "minute": 21}
